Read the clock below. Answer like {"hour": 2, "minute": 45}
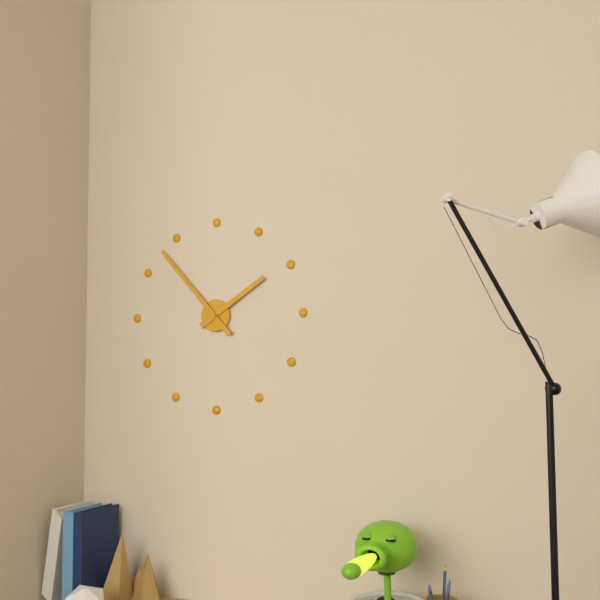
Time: {"hour": 1, "minute": 53}
